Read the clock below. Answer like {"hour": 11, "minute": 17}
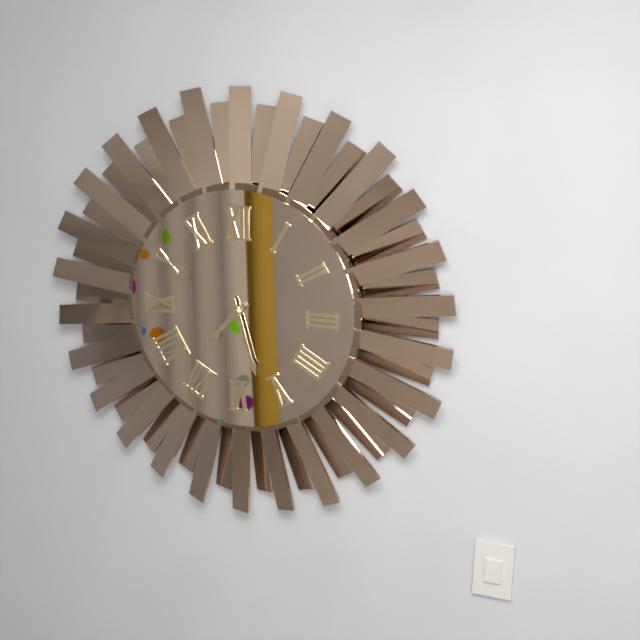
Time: {"hour": 7, "minute": 27}
